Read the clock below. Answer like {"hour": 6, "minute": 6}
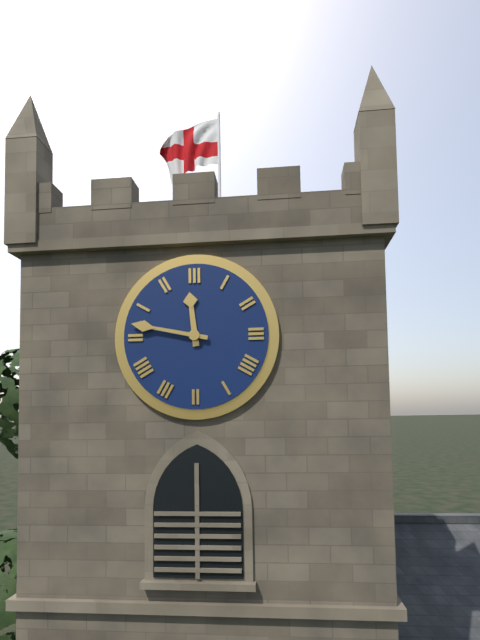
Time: {"hour": 11, "minute": 47}
